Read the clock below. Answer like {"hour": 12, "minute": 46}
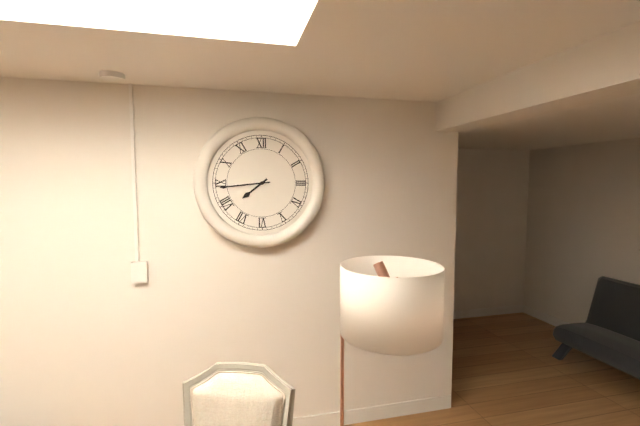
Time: {"hour": 7, "minute": 44}
